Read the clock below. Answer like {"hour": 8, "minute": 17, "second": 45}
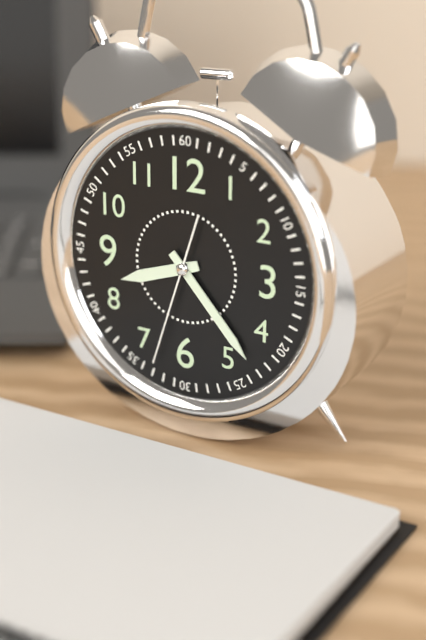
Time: {"hour": 8, "minute": 23, "second": 33}
